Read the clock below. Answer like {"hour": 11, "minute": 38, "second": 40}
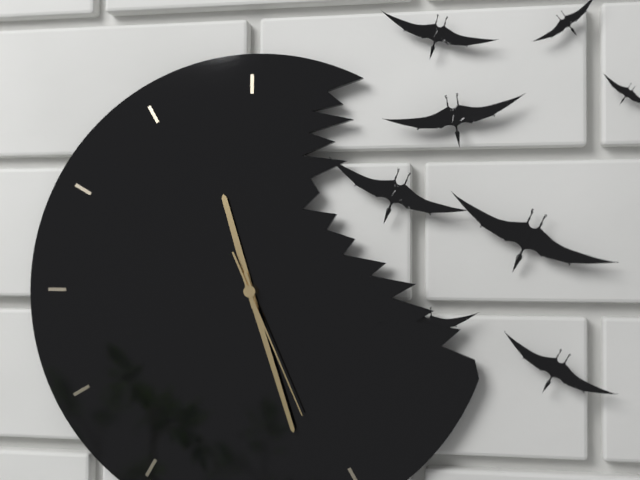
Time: {"hour": 11, "minute": 27, "second": 26}
